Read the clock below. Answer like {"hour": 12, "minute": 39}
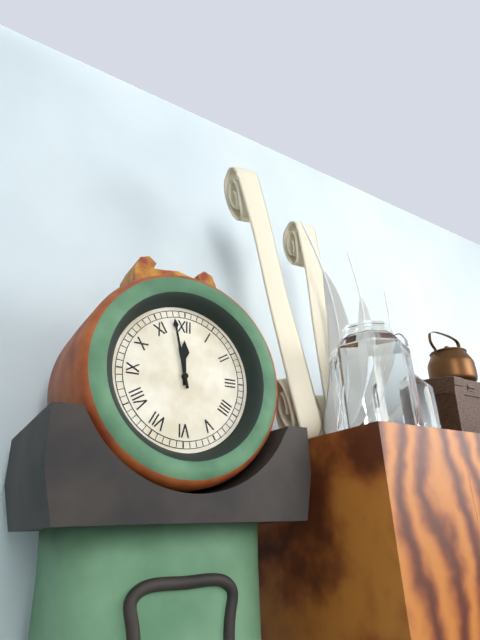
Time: {"hour": 11, "minute": 58}
